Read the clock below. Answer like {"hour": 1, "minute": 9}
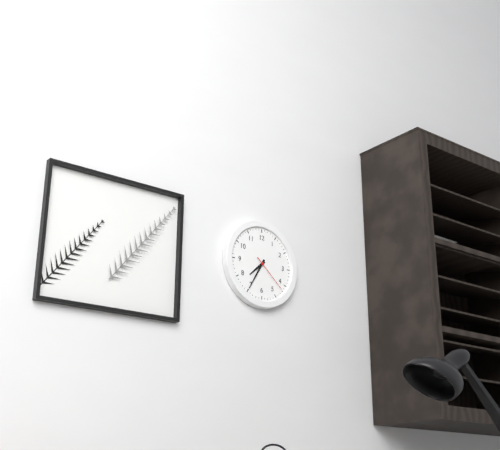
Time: {"hour": 7, "minute": 35}
